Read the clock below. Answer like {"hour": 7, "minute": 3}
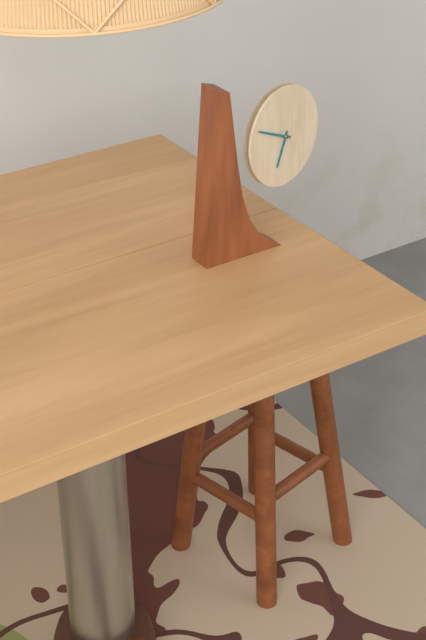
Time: {"hour": 6, "minute": 49}
